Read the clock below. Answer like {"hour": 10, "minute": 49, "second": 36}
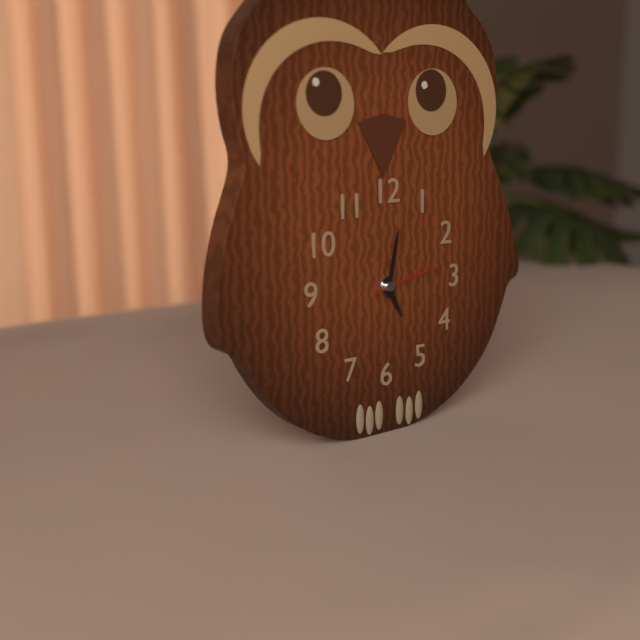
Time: {"hour": 5, "minute": 2, "second": 13}
